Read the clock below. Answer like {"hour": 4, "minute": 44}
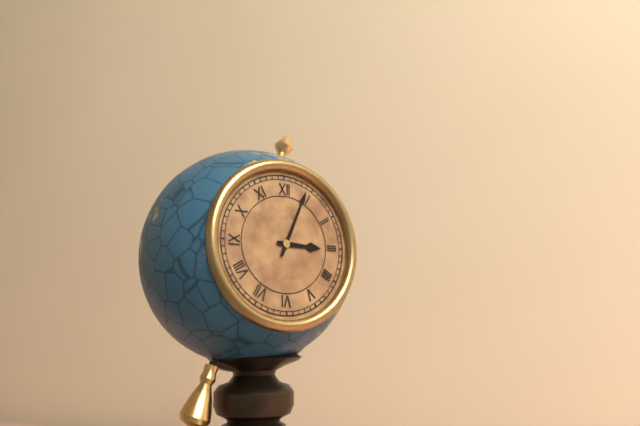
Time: {"hour": 3, "minute": 4}
